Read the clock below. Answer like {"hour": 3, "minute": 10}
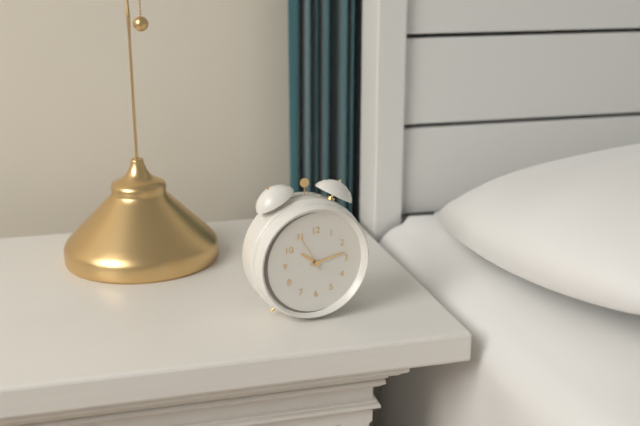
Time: {"hour": 10, "minute": 13}
